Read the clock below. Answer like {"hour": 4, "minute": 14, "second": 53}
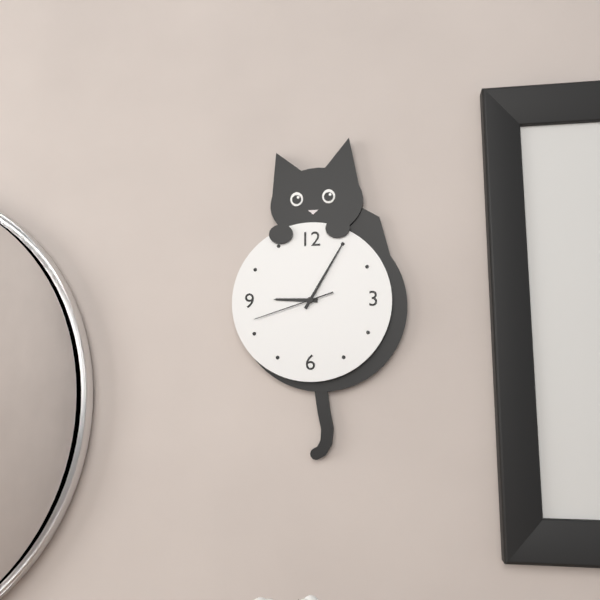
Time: {"hour": 9, "minute": 5, "second": 42}
